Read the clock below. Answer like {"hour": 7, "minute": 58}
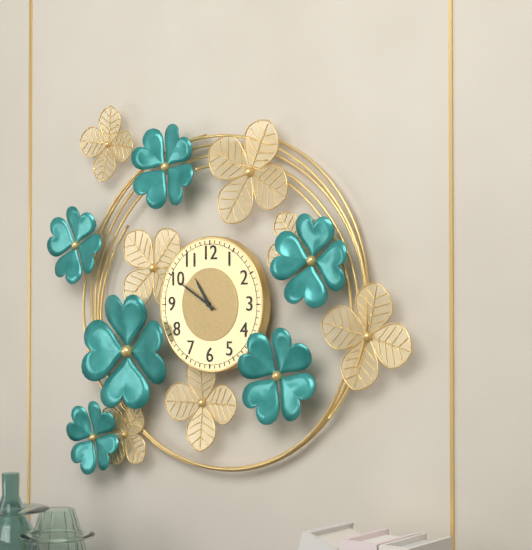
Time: {"hour": 10, "minute": 50}
